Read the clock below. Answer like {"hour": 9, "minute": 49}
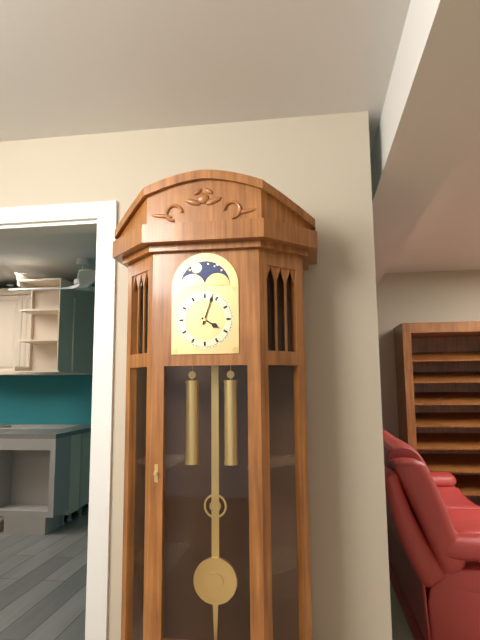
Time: {"hour": 4, "minute": 3}
